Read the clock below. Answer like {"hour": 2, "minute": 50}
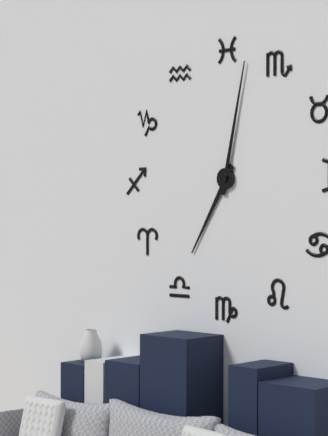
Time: {"hour": 7, "minute": 2}
